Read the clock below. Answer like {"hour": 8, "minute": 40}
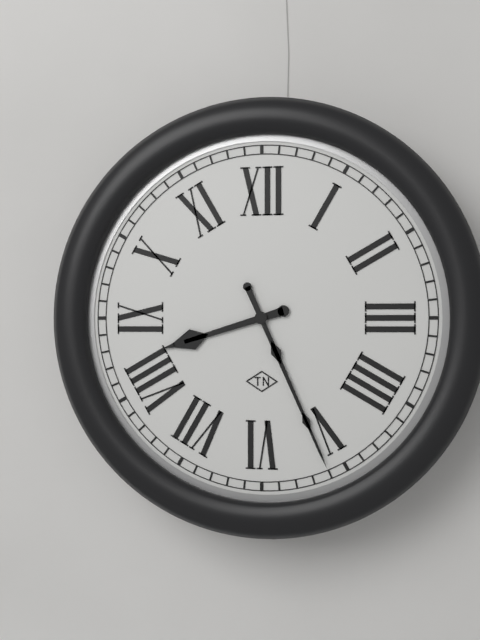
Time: {"hour": 8, "minute": 26}
